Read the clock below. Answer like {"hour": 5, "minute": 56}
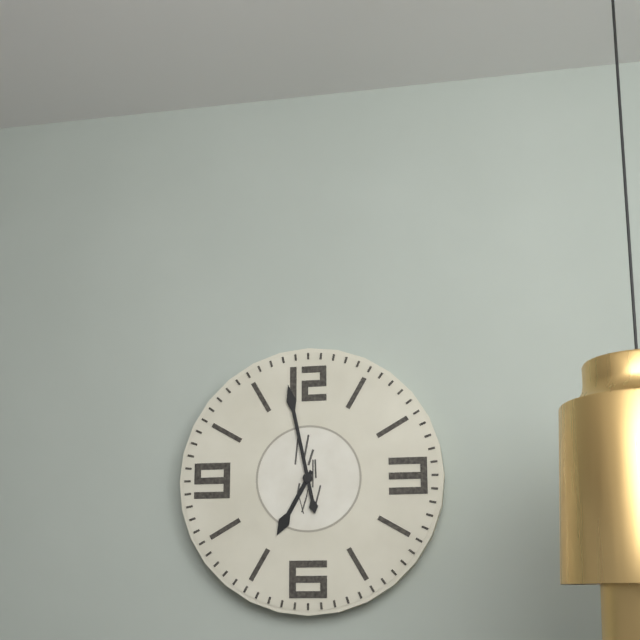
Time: {"hour": 6, "minute": 58}
